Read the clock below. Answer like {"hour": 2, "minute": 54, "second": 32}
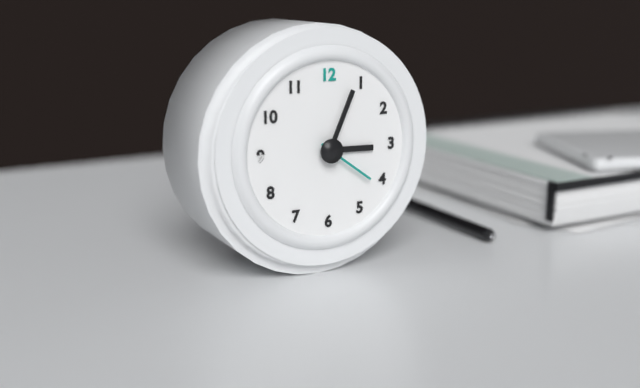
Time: {"hour": 3, "minute": 4, "second": 21}
